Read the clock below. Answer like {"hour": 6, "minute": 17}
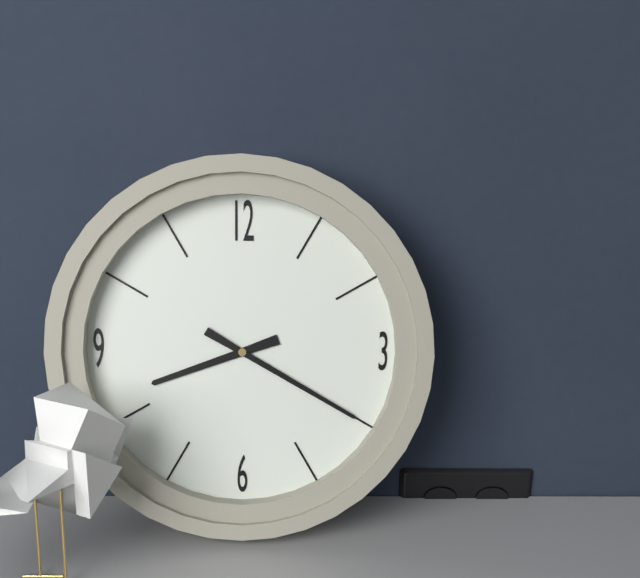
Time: {"hour": 8, "minute": 20}
